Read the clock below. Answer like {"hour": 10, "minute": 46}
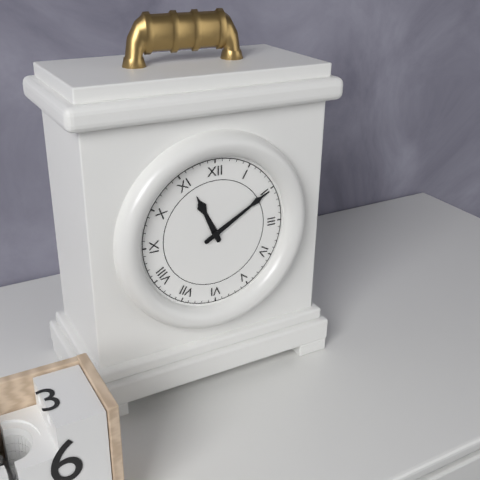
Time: {"hour": 11, "minute": 10}
